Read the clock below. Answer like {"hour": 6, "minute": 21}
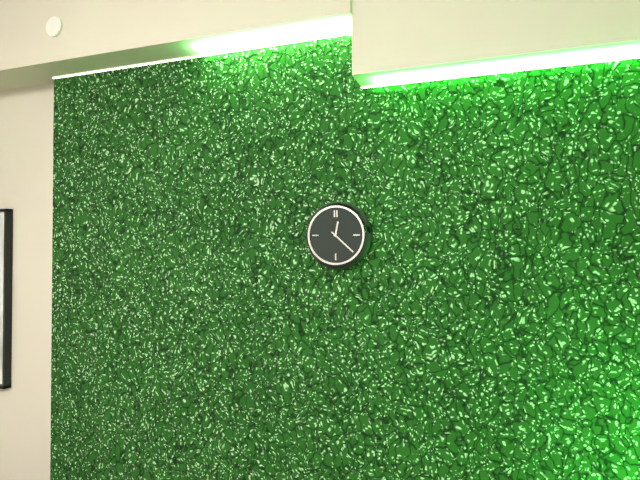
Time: {"hour": 12, "minute": 22}
